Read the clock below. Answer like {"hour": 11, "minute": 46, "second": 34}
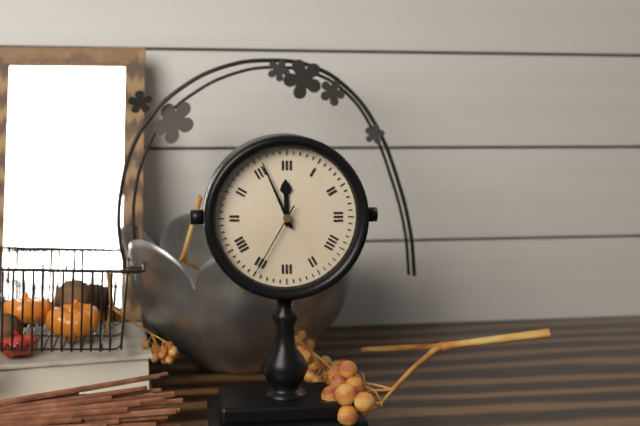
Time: {"hour": 11, "minute": 56, "second": 35}
